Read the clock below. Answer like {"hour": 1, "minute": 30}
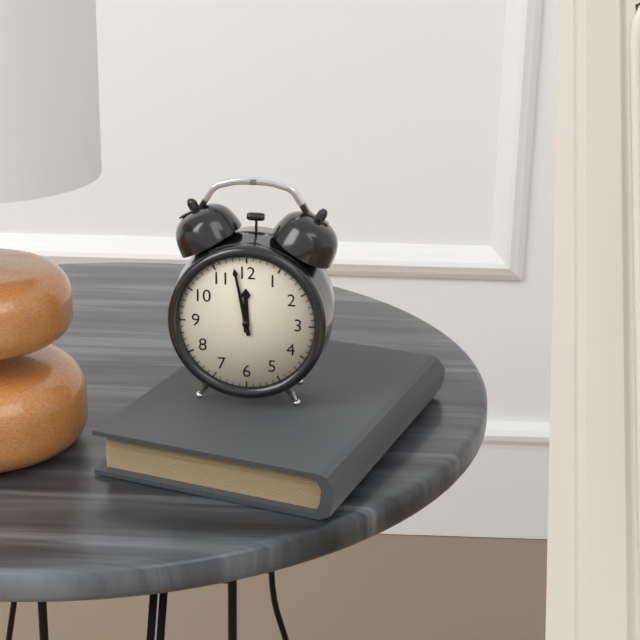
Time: {"hour": 11, "minute": 58}
